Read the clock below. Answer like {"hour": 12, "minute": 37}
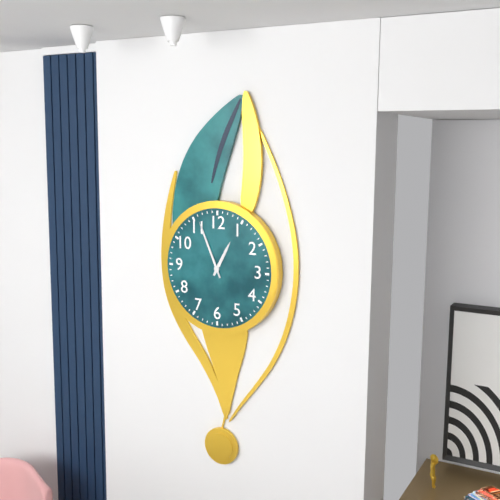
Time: {"hour": 12, "minute": 56}
